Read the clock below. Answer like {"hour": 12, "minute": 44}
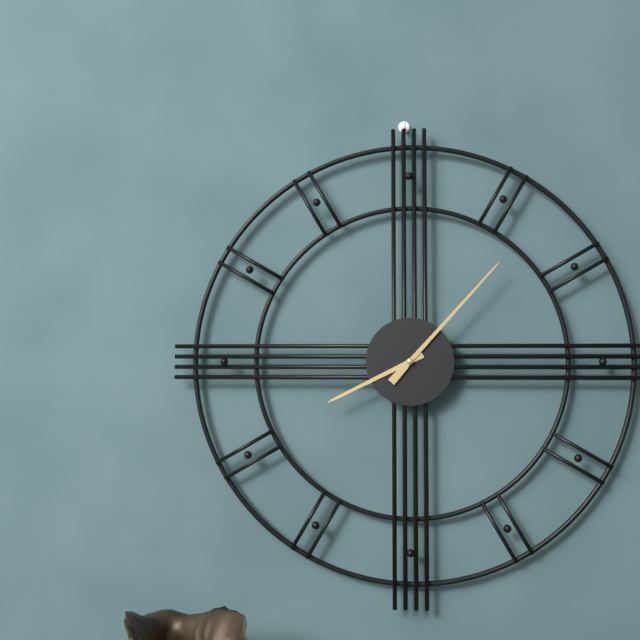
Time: {"hour": 8, "minute": 7}
